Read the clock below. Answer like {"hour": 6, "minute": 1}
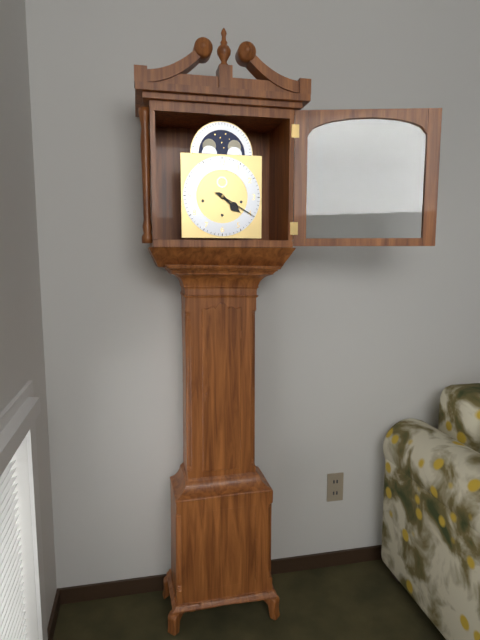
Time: {"hour": 4, "minute": 20}
